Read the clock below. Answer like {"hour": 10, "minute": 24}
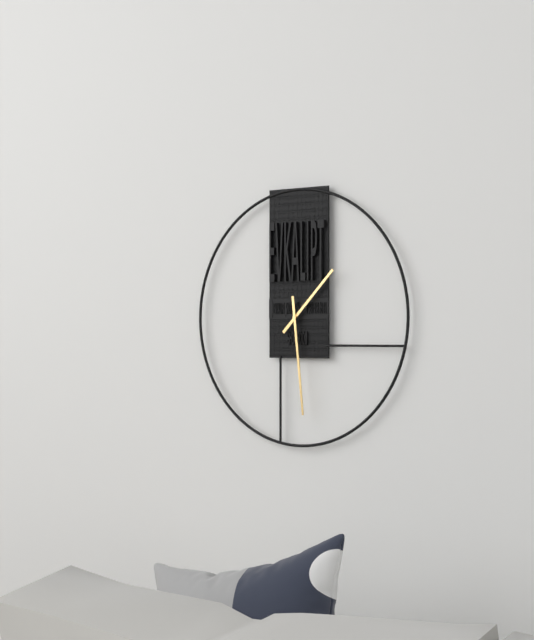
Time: {"hour": 1, "minute": 29}
